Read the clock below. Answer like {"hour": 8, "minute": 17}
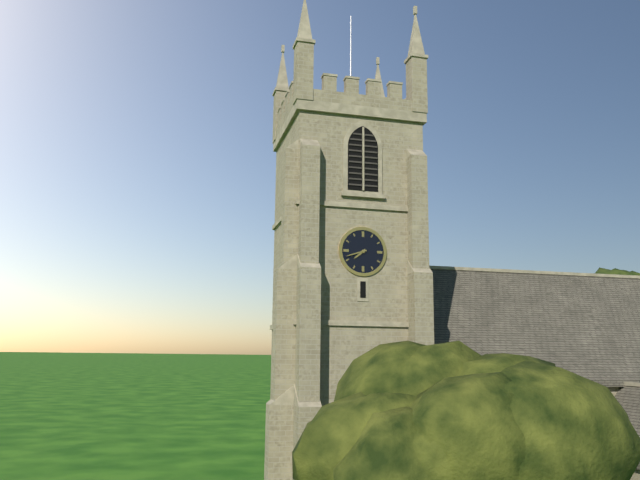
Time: {"hour": 7, "minute": 42}
